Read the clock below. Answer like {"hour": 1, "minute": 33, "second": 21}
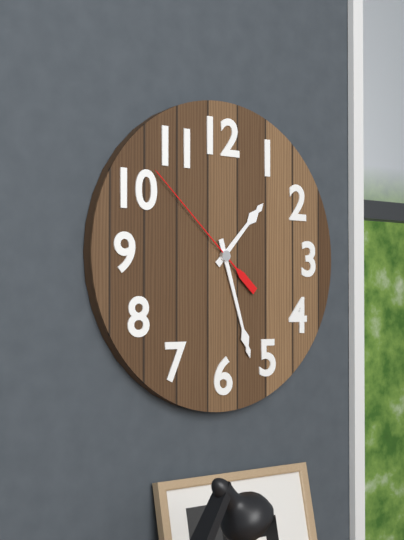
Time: {"hour": 1, "minute": 27, "second": 52}
